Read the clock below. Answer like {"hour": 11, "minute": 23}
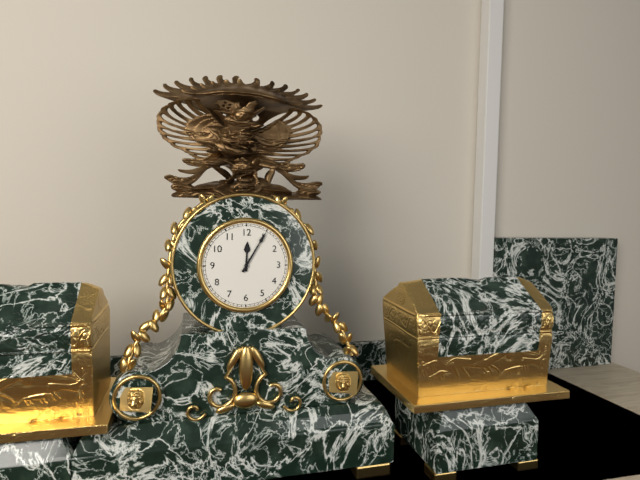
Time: {"hour": 12, "minute": 5}
